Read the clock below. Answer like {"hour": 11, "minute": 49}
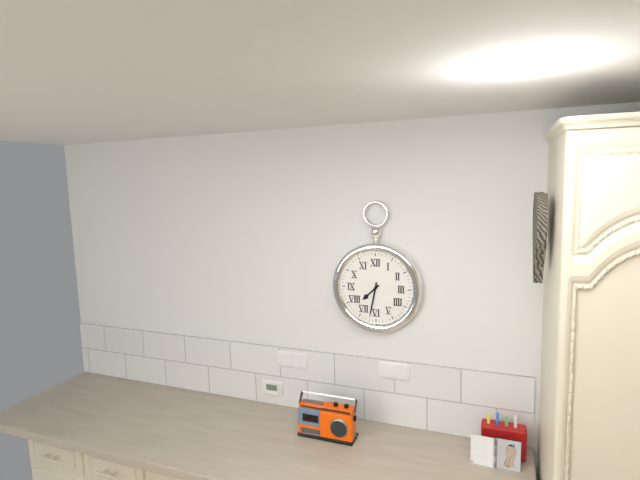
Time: {"hour": 7, "minute": 32}
